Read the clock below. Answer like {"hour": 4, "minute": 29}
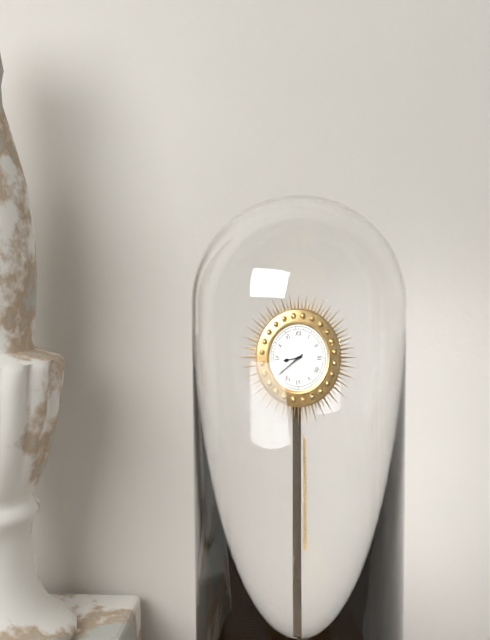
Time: {"hour": 8, "minute": 39}
